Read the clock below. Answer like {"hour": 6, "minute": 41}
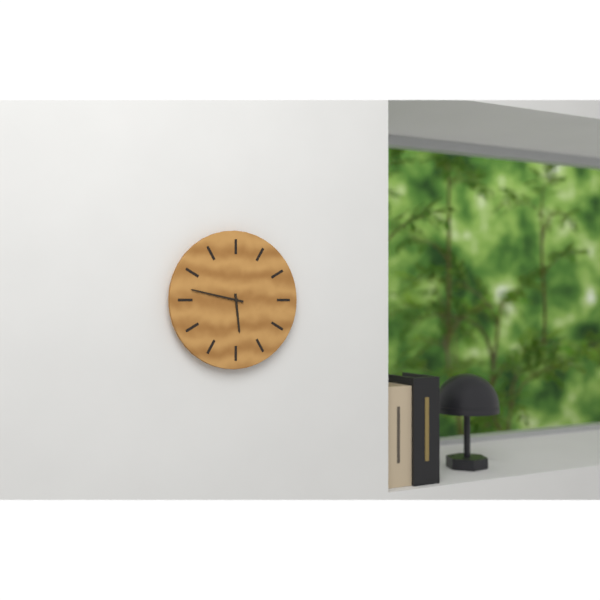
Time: {"hour": 5, "minute": 47}
